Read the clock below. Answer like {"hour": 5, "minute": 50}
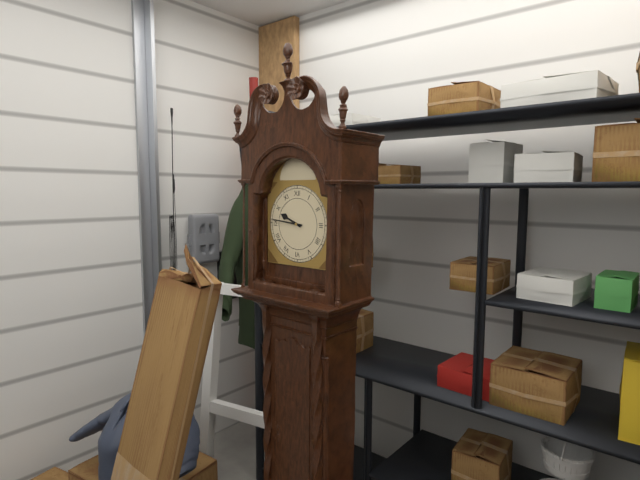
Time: {"hour": 9, "minute": 46}
